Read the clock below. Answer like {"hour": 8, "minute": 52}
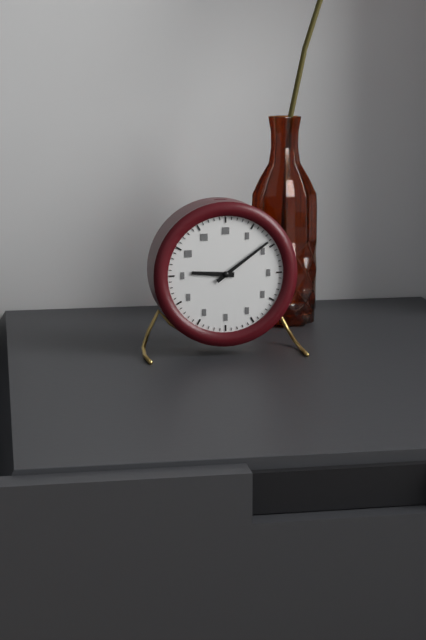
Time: {"hour": 9, "minute": 9}
